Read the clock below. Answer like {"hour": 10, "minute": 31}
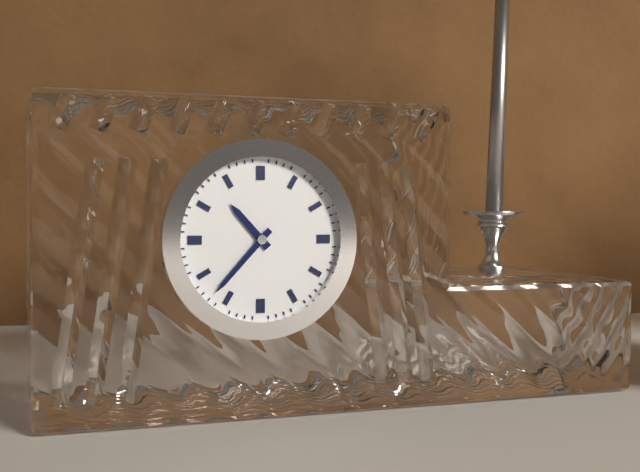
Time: {"hour": 10, "minute": 37}
